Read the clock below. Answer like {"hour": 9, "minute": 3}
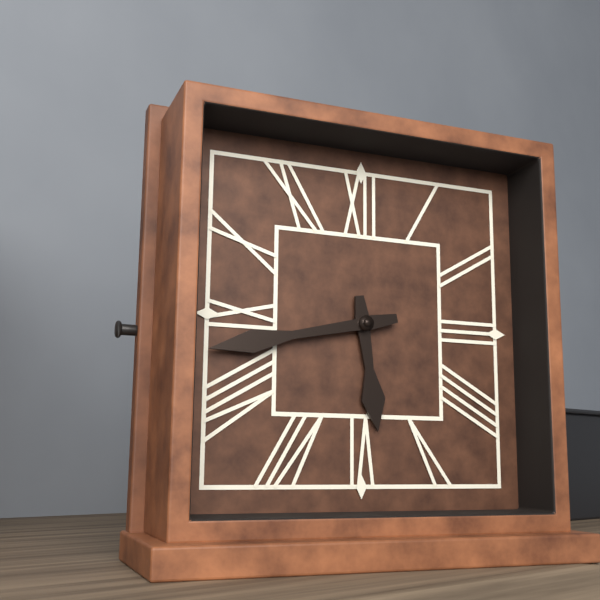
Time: {"hour": 5, "minute": 43}
